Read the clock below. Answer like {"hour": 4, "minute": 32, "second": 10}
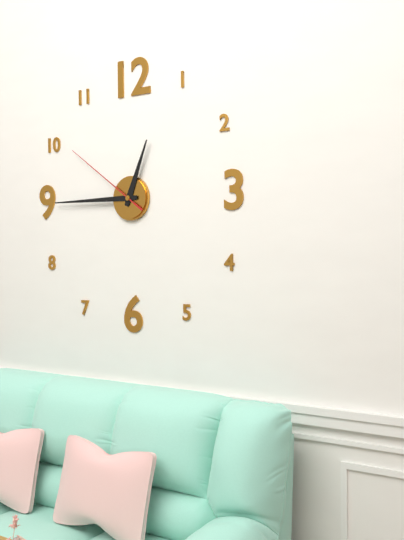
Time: {"hour": 12, "minute": 45, "second": 51}
